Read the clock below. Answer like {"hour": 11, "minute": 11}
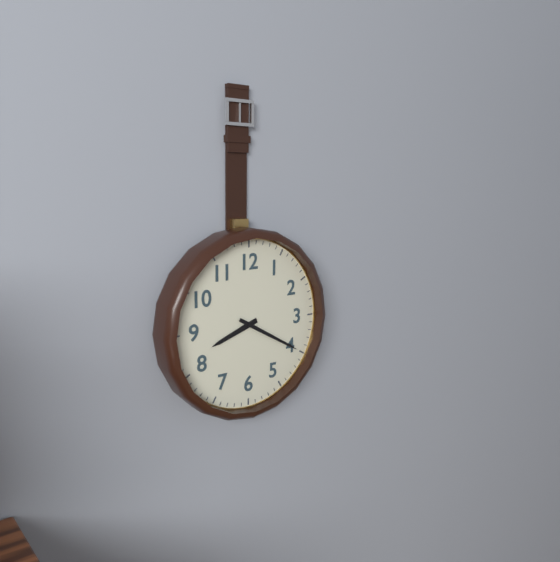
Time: {"hour": 8, "minute": 20}
